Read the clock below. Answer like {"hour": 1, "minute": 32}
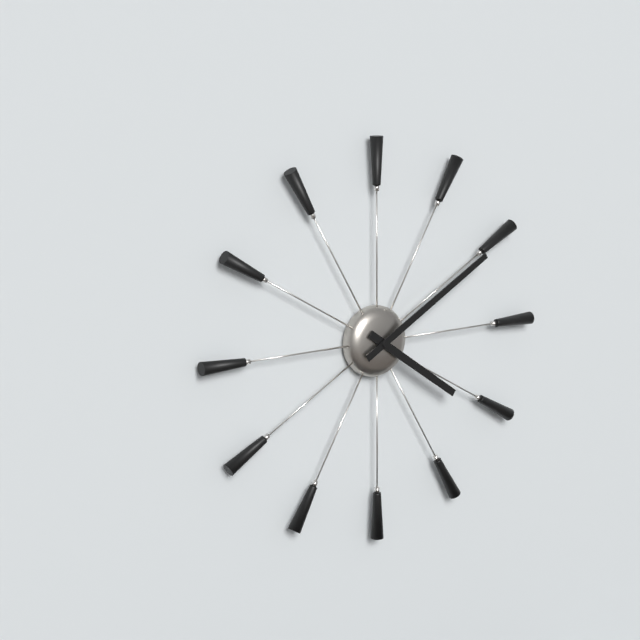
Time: {"hour": 4, "minute": 10}
